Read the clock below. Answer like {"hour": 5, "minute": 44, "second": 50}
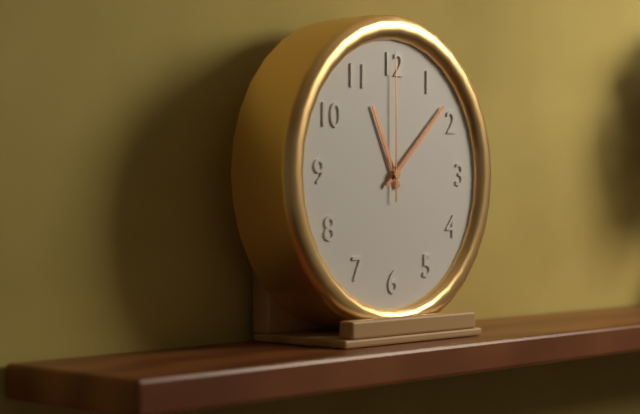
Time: {"hour": 11, "minute": 8, "second": 0}
